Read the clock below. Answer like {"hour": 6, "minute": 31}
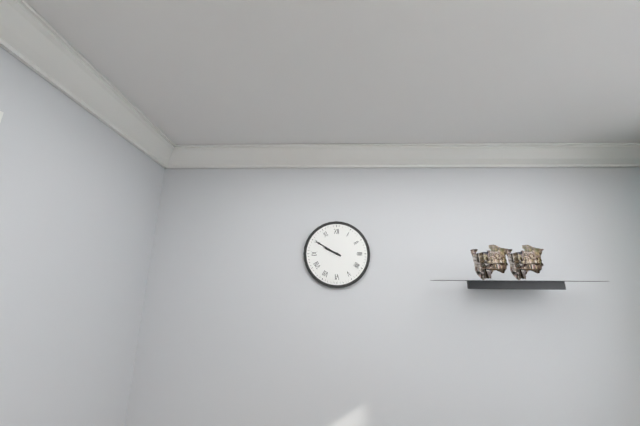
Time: {"hour": 9, "minute": 50}
